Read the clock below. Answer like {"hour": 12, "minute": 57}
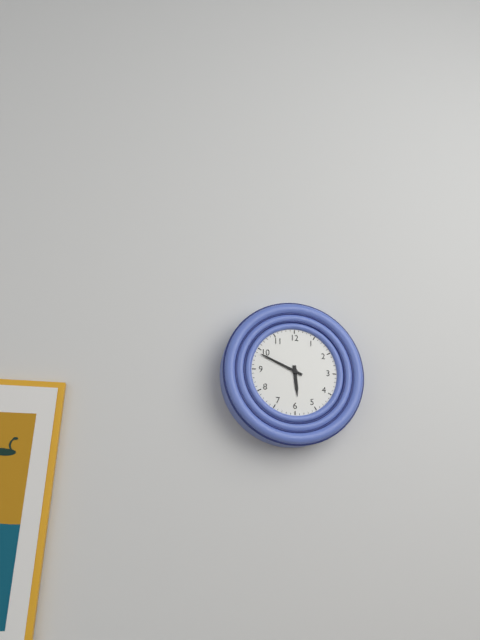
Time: {"hour": 5, "minute": 49}
